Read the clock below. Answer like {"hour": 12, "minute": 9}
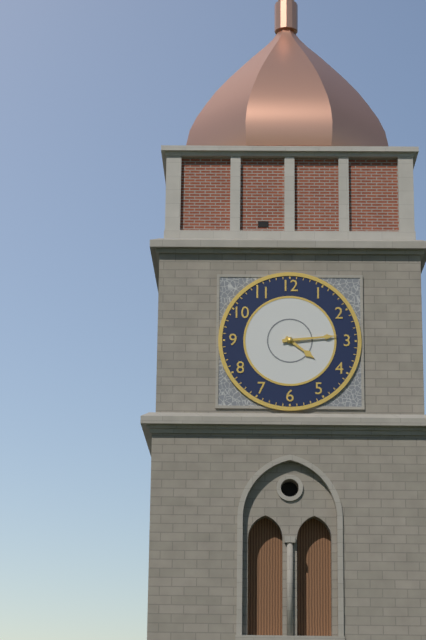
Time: {"hour": 4, "minute": 14}
